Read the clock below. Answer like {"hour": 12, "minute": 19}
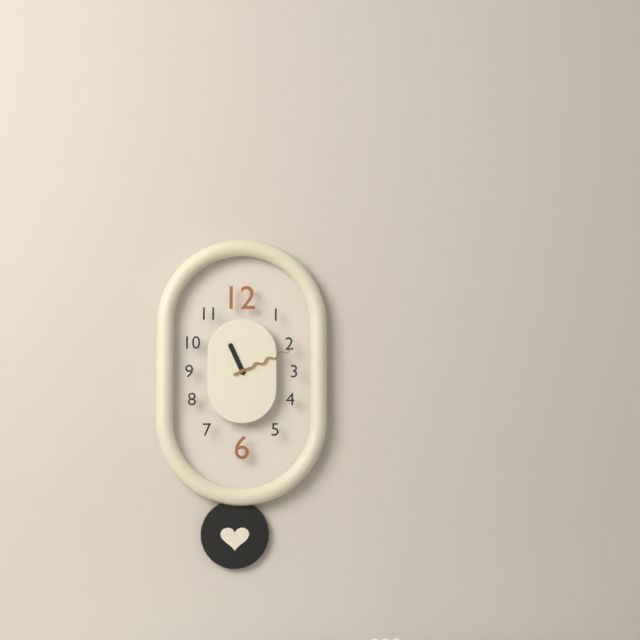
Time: {"hour": 11, "minute": 11}
